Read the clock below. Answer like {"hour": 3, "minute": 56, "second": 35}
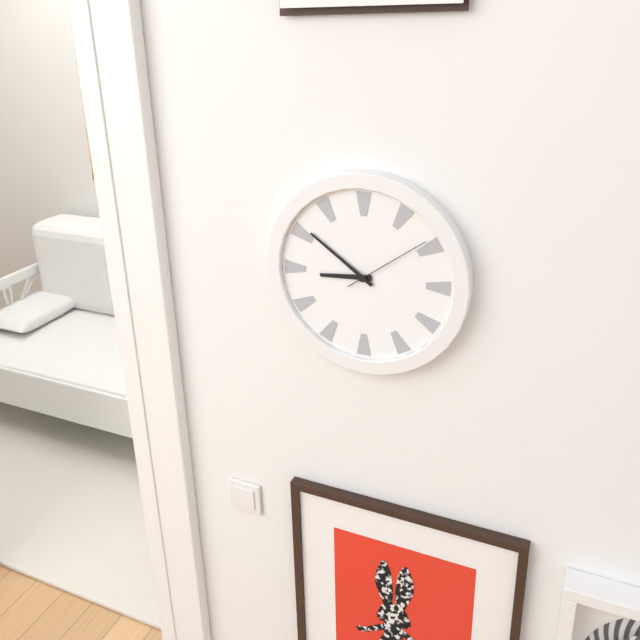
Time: {"hour": 8, "minute": 51, "second": 9}
